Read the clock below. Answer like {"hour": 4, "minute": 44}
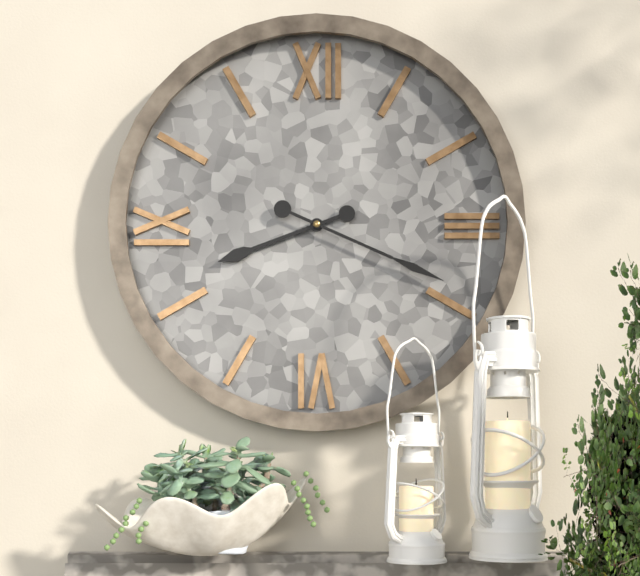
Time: {"hour": 8, "minute": 19}
